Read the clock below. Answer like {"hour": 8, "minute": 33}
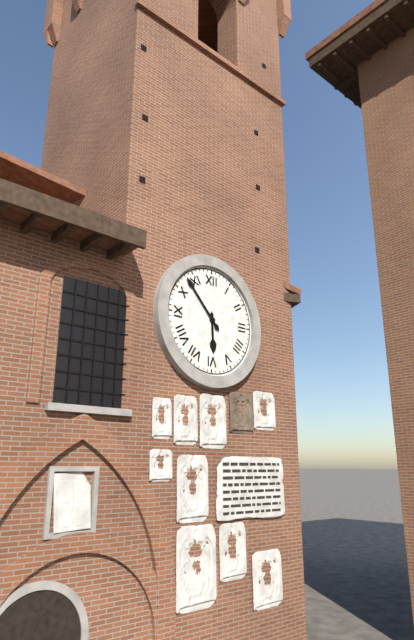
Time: {"hour": 5, "minute": 53}
